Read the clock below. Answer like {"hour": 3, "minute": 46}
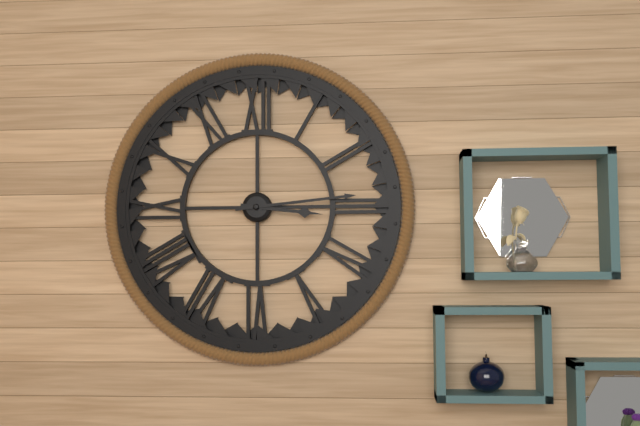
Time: {"hour": 3, "minute": 14}
